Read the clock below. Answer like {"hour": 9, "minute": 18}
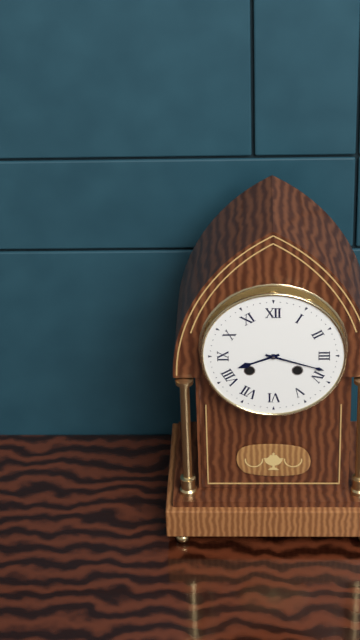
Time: {"hour": 8, "minute": 18}
